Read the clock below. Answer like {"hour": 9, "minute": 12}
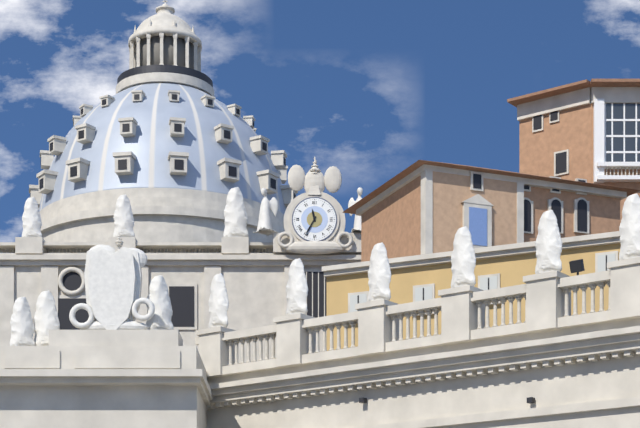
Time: {"hour": 11, "minute": 35}
